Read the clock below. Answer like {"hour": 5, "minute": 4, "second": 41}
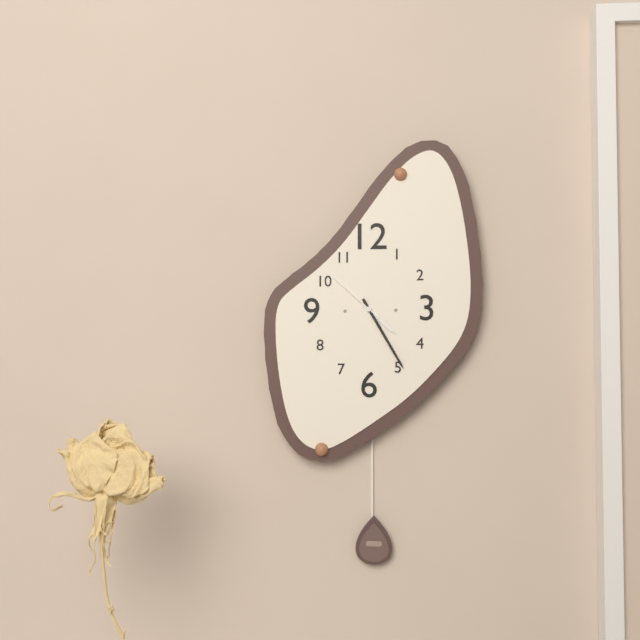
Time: {"hour": 4, "minute": 25, "second": 52}
